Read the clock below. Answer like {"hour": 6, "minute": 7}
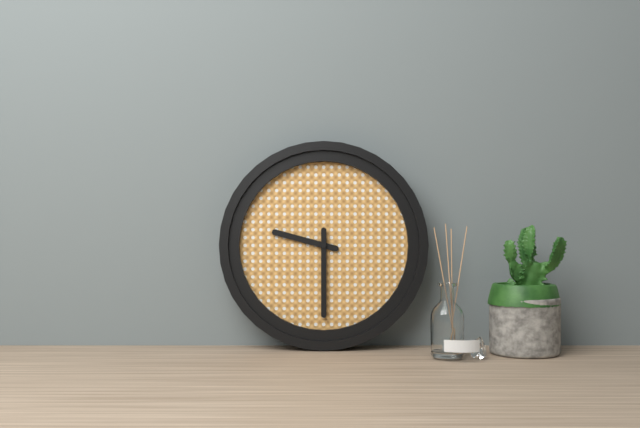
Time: {"hour": 9, "minute": 30}
